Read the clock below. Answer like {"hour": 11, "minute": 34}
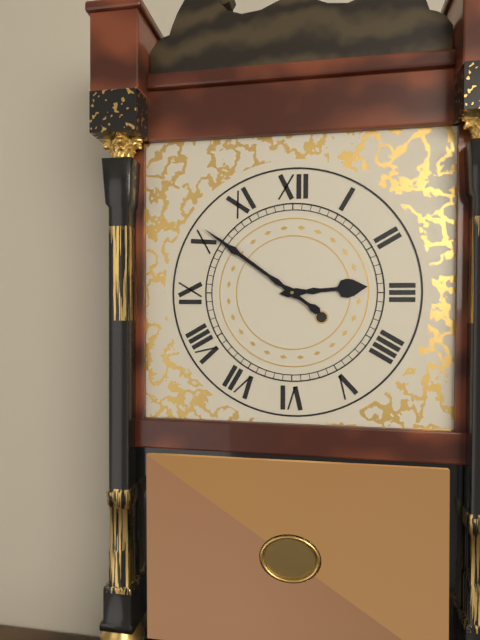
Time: {"hour": 2, "minute": 51}
